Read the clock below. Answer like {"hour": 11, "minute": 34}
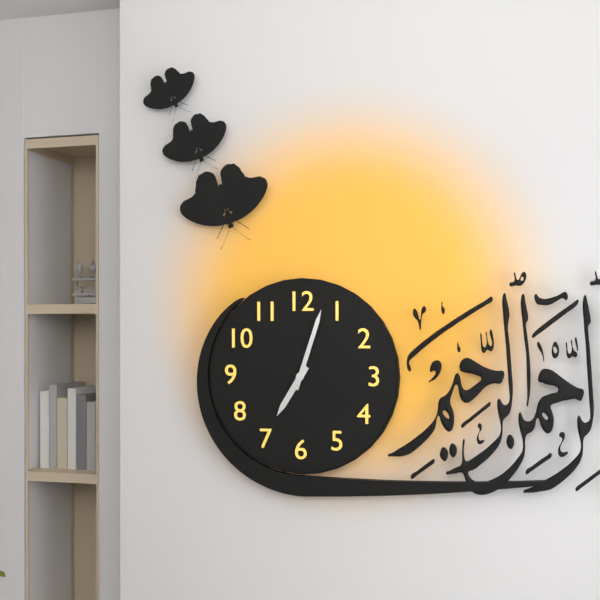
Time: {"hour": 7, "minute": 3}
